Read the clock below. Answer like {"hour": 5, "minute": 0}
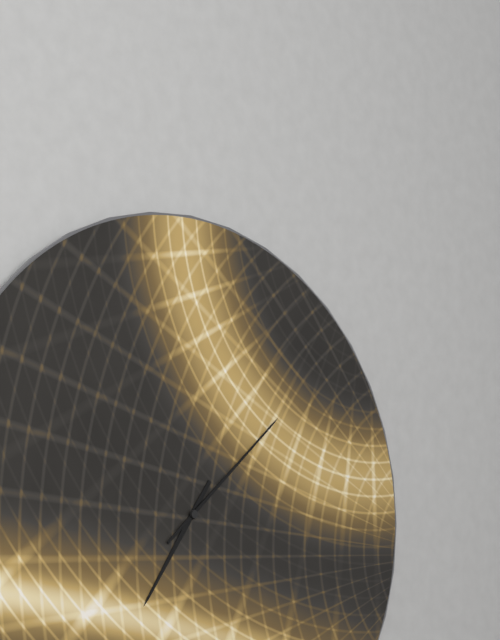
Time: {"hour": 7, "minute": 8}
